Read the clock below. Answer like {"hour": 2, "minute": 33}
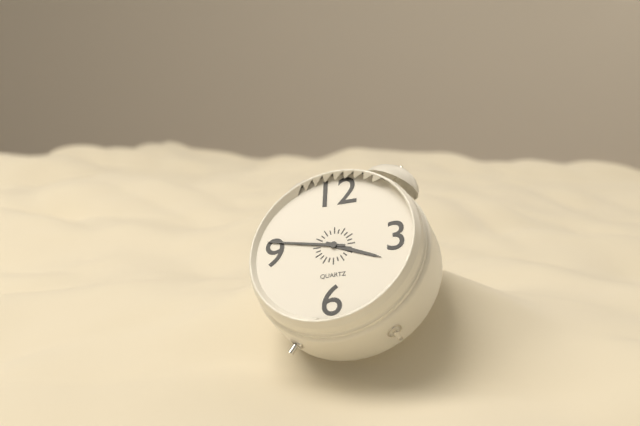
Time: {"hour": 3, "minute": 47}
